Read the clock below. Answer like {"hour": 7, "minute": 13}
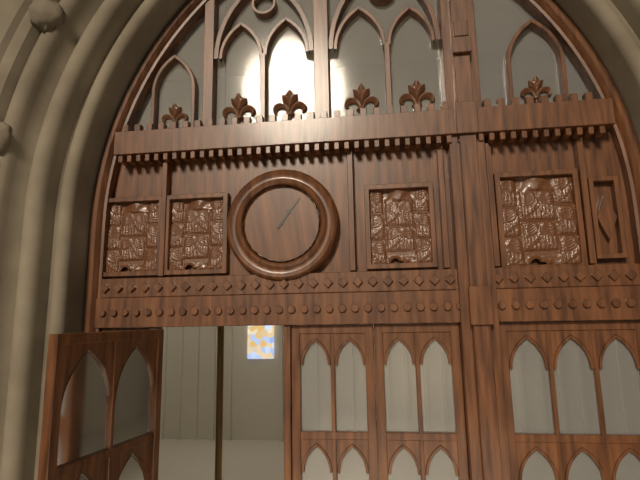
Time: {"hour": 1, "minute": 6}
